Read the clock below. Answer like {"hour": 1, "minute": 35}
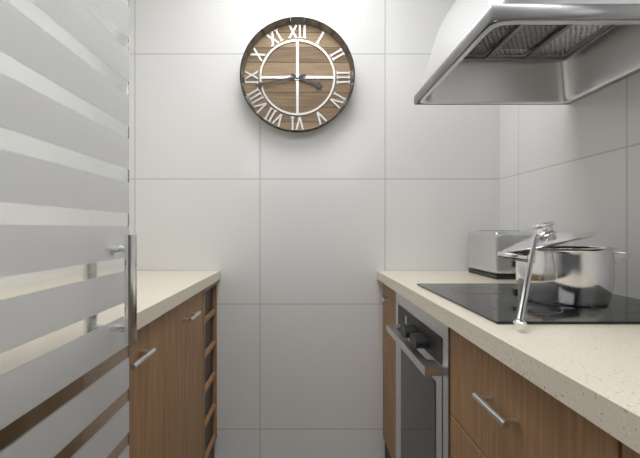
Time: {"hour": 3, "minute": 43}
